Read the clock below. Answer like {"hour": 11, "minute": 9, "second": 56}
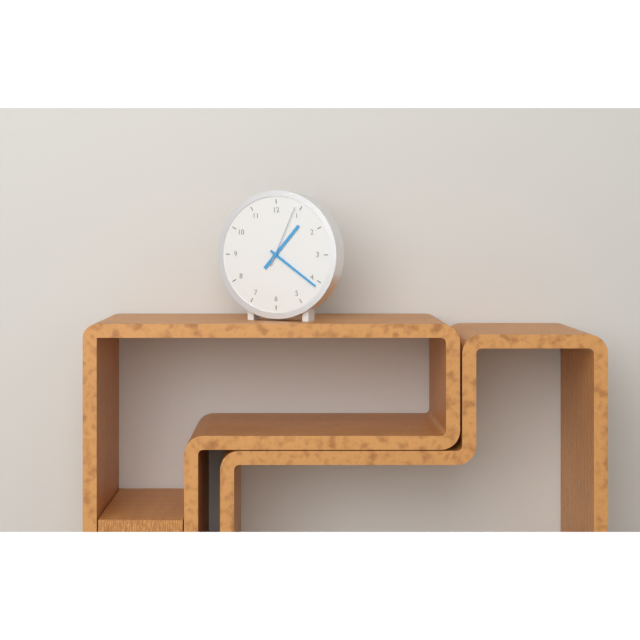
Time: {"hour": 1, "minute": 21, "second": 4}
